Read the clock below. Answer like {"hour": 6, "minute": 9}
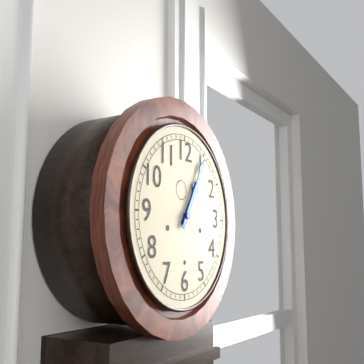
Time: {"hour": 1, "minute": 5}
